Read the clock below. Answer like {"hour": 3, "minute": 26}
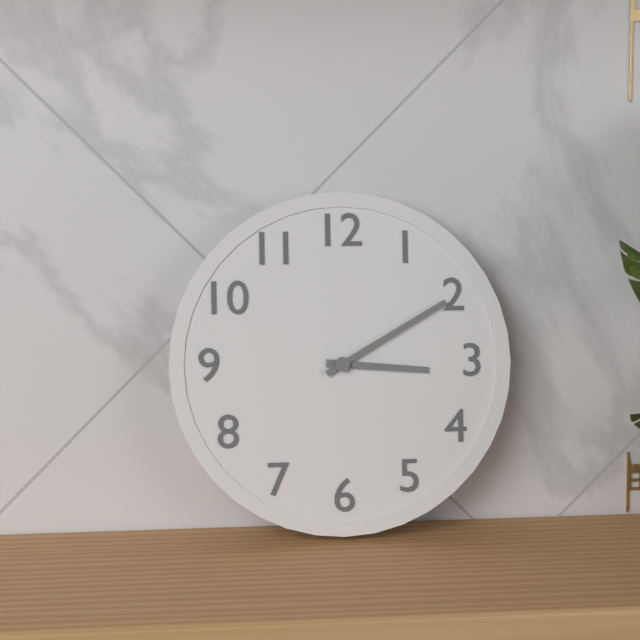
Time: {"hour": 3, "minute": 10}
